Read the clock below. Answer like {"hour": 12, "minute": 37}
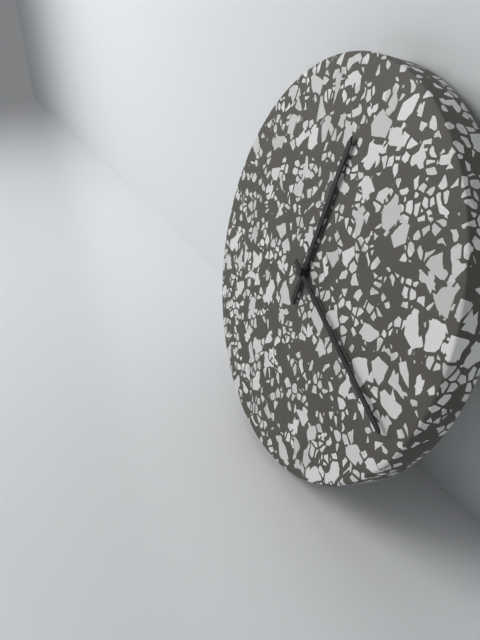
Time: {"hour": 12, "minute": 19}
